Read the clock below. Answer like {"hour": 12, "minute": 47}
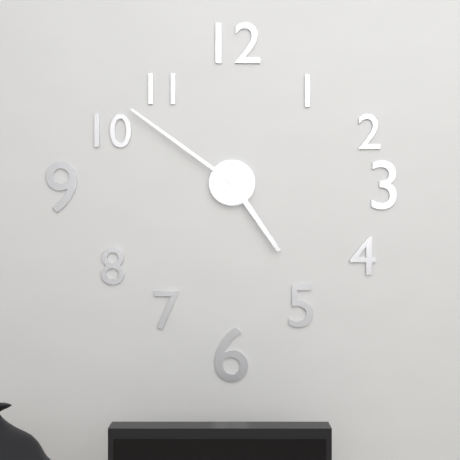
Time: {"hour": 4, "minute": 51}
